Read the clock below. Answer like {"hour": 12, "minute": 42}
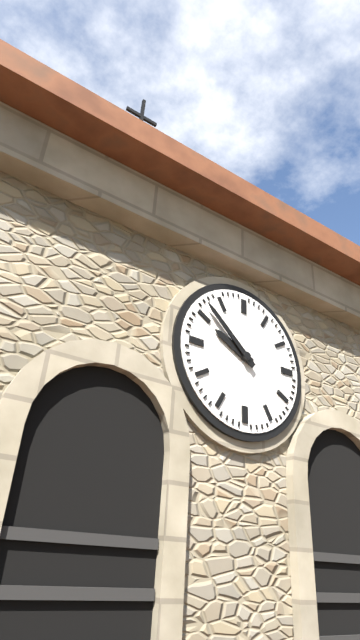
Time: {"hour": 9, "minute": 52}
